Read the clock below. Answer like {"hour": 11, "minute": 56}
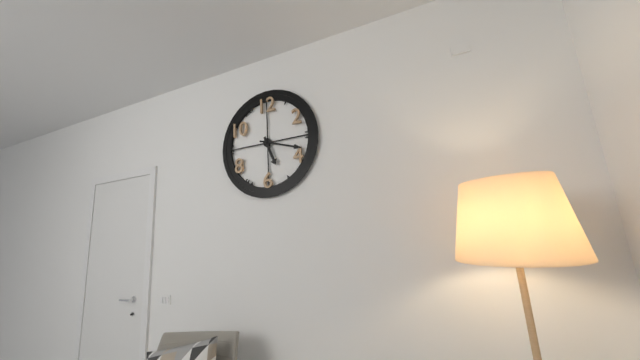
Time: {"hour": 5, "minute": 18}
